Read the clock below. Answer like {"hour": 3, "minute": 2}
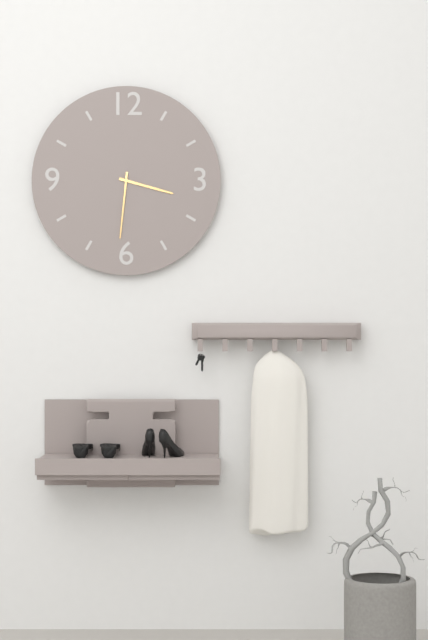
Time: {"hour": 3, "minute": 31}
